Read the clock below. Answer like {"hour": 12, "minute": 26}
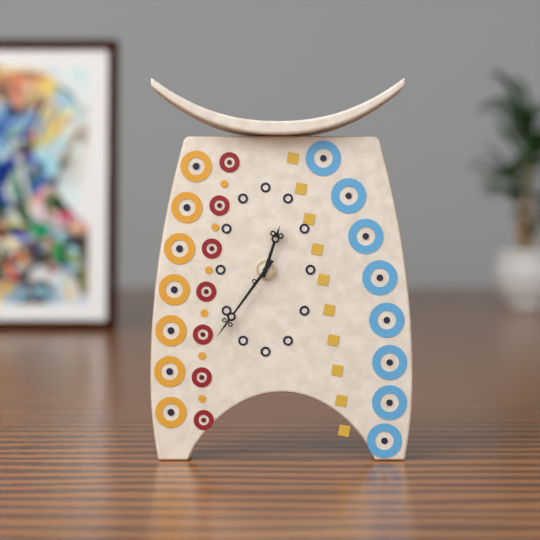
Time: {"hour": 12, "minute": 36}
